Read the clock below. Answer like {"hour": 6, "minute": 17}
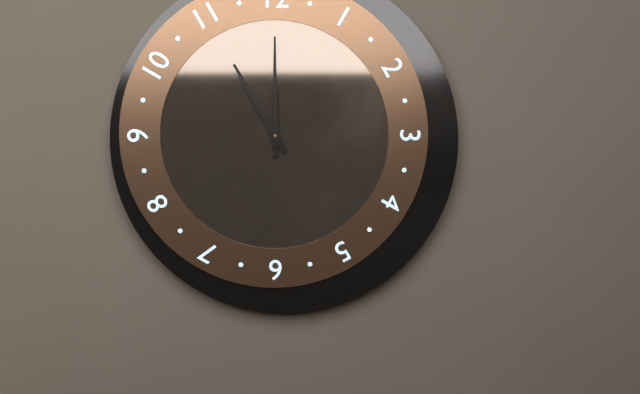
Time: {"hour": 11, "minute": 0}
